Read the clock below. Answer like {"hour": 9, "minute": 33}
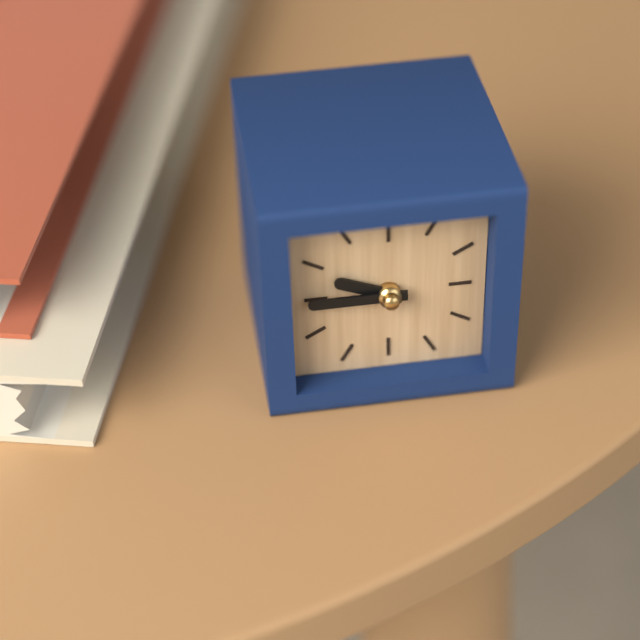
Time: {"hour": 9, "minute": 45}
